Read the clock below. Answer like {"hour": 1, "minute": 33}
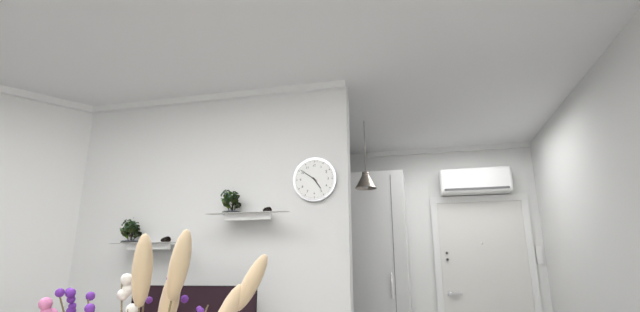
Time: {"hour": 4, "minute": 51}
